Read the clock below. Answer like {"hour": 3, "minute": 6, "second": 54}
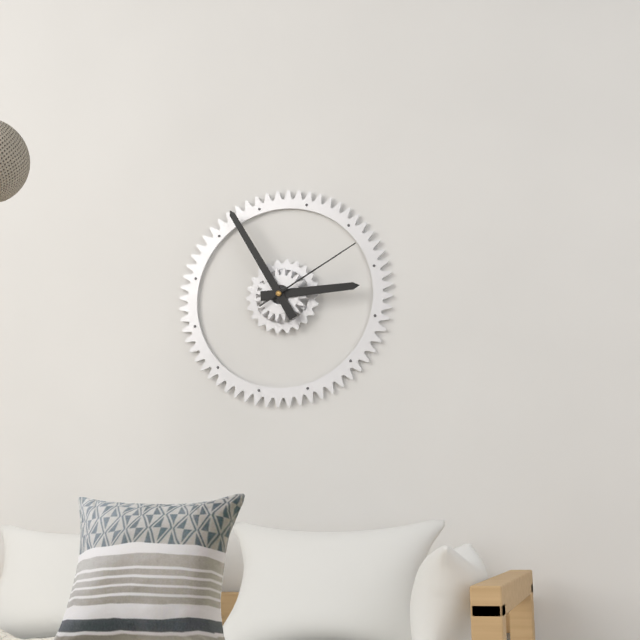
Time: {"hour": 2, "minute": 55, "second": 10}
